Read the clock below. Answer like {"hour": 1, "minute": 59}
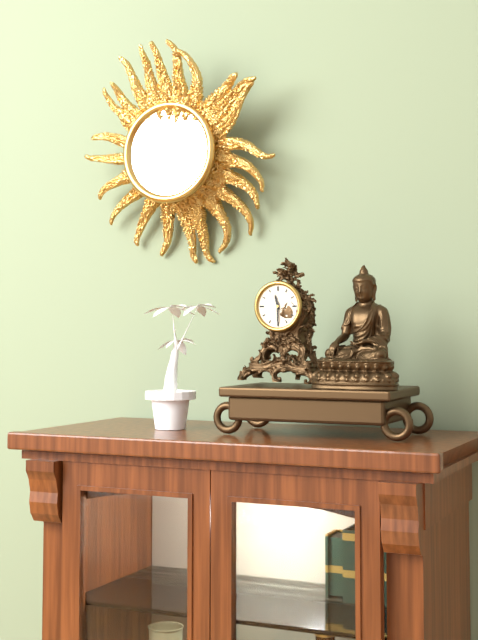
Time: {"hour": 11, "minute": 30}
